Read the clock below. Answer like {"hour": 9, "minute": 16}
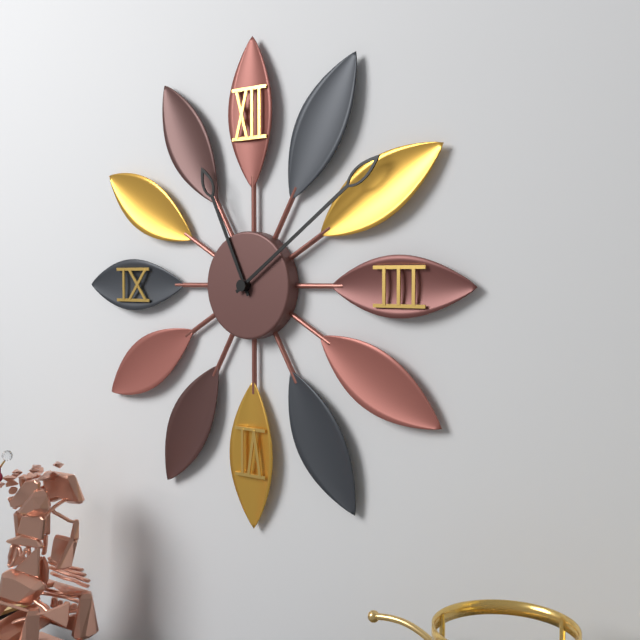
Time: {"hour": 11, "minute": 9}
